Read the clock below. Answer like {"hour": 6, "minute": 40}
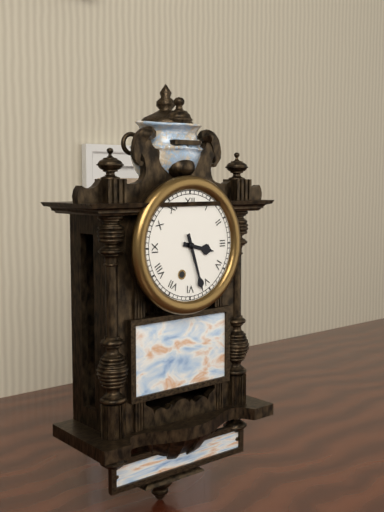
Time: {"hour": 3, "minute": 27}
